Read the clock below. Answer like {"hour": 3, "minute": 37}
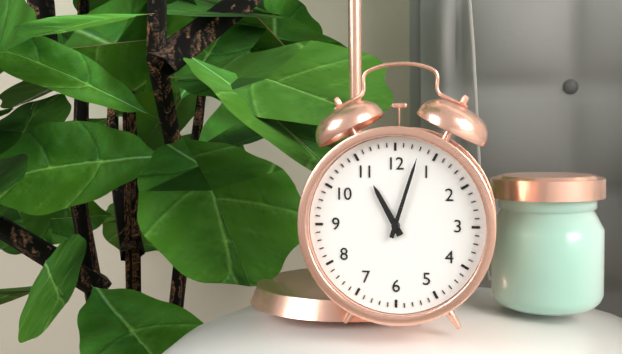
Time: {"hour": 11, "minute": 3}
